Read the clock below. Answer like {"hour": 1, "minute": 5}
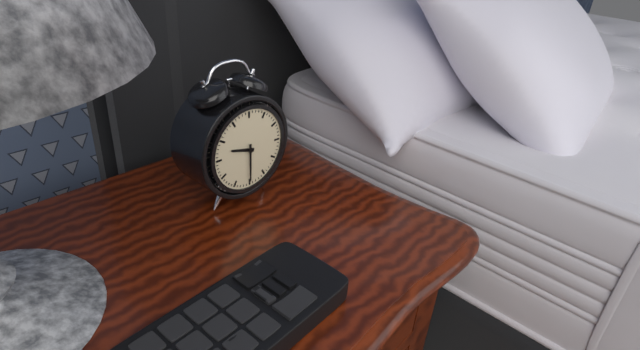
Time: {"hour": 9, "minute": 30}
